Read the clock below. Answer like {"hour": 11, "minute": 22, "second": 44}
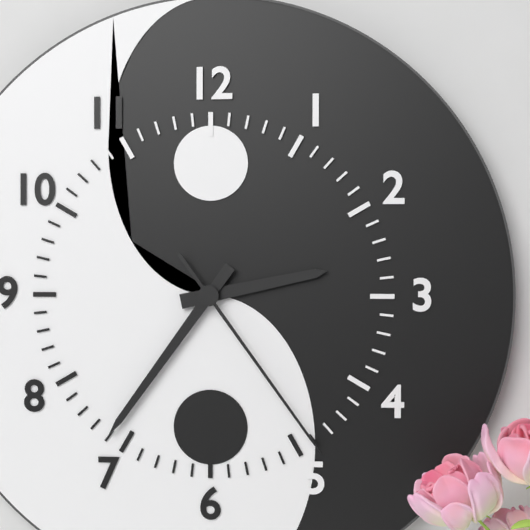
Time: {"hour": 2, "minute": 36, "second": 24}
